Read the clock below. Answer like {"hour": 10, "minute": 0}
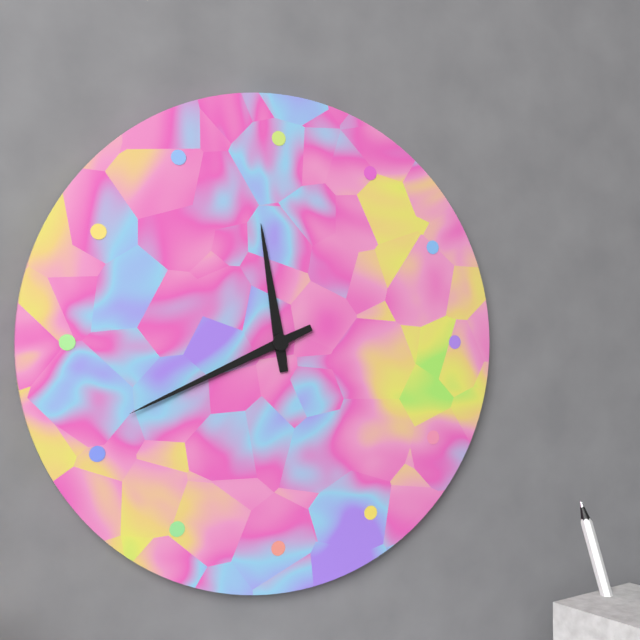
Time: {"hour": 11, "minute": 41}
